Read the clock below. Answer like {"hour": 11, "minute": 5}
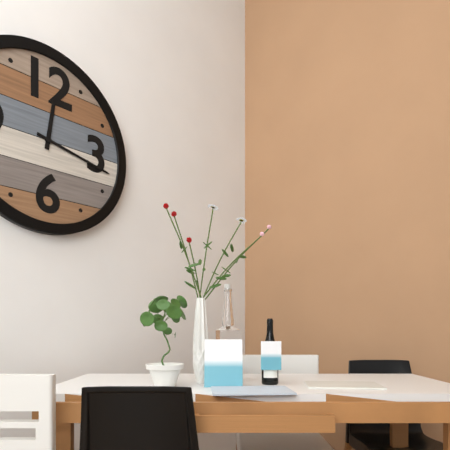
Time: {"hour": 12, "minute": 17}
